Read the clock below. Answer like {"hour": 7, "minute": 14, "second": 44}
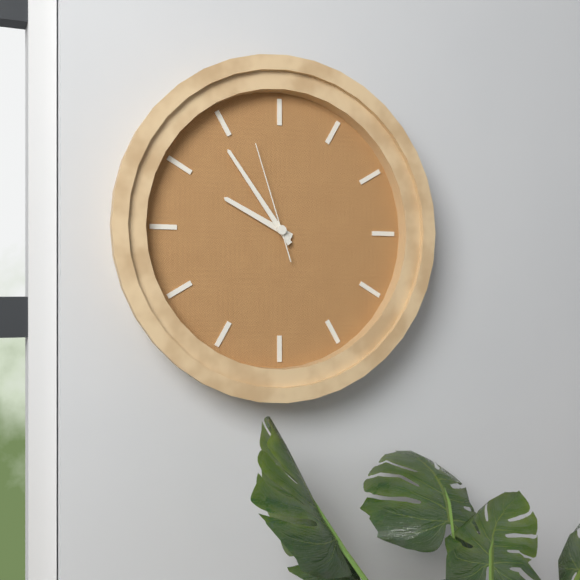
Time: {"hour": 9, "minute": 54, "second": 57}
